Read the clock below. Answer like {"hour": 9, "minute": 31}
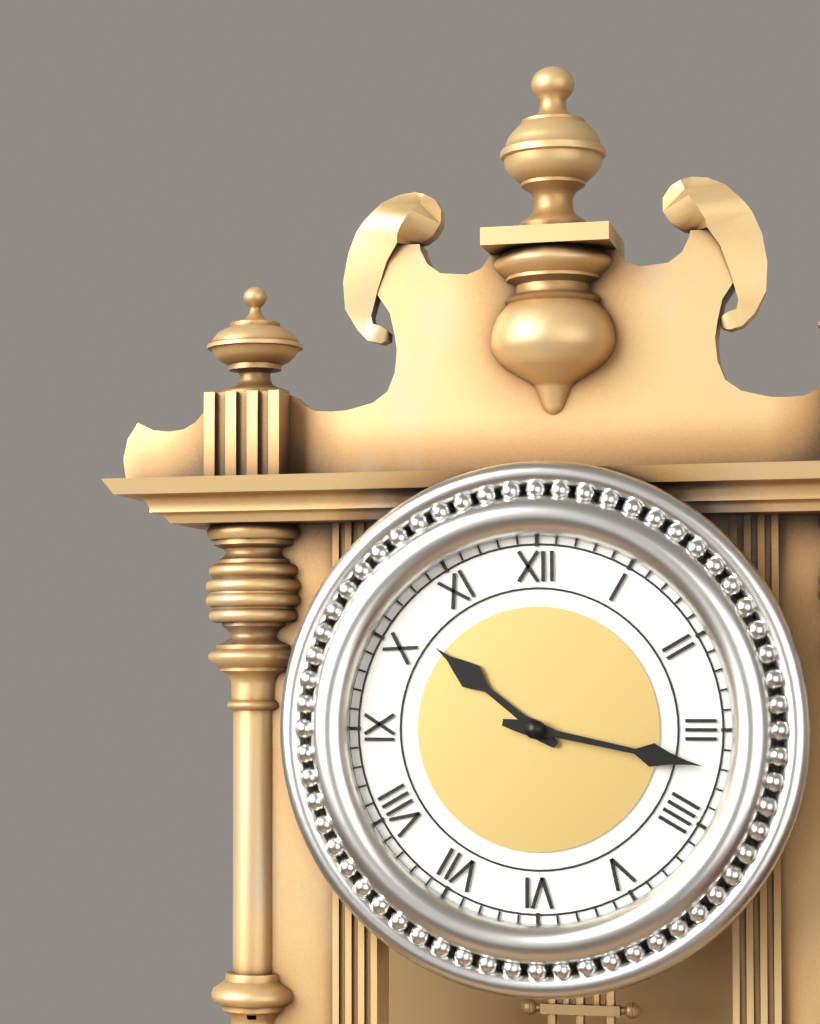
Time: {"hour": 10, "minute": 17}
